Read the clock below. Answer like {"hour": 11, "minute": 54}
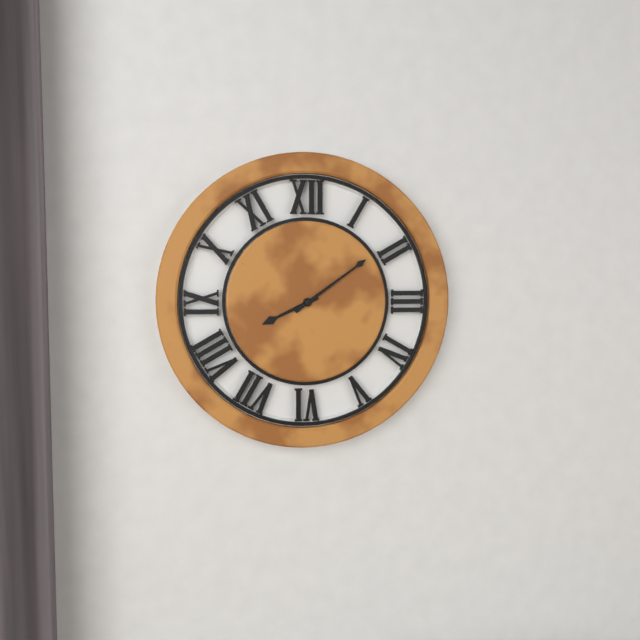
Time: {"hour": 8, "minute": 9}
